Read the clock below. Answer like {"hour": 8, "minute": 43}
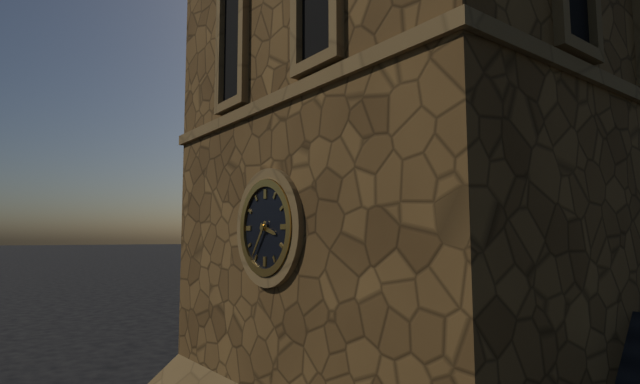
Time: {"hour": 3, "minute": 36}
